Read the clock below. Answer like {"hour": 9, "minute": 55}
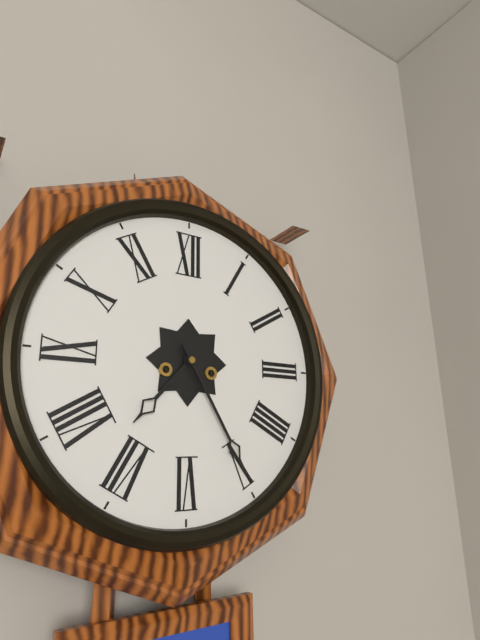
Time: {"hour": 7, "minute": 25}
